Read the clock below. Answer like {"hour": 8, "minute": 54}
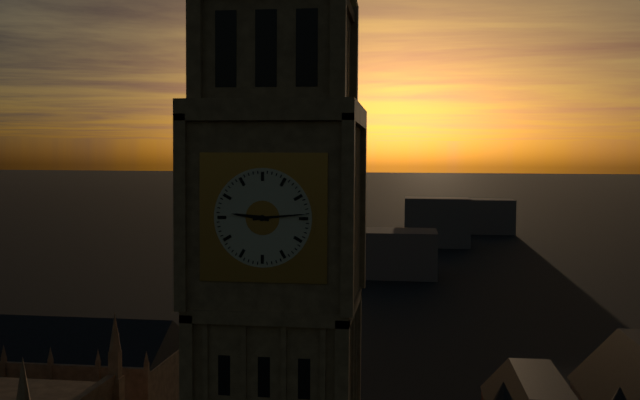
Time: {"hour": 9, "minute": 14}
